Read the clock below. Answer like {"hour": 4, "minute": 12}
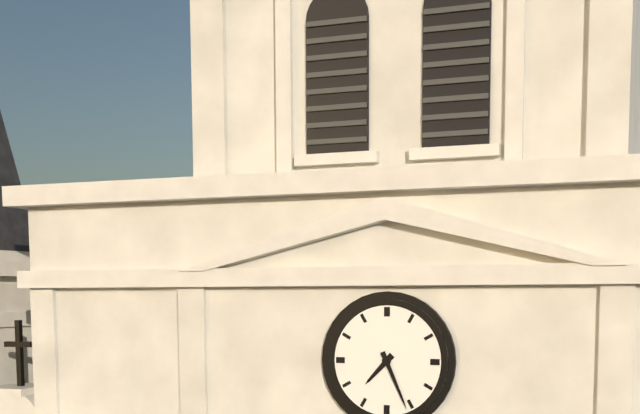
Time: {"hour": 7, "minute": 26}
